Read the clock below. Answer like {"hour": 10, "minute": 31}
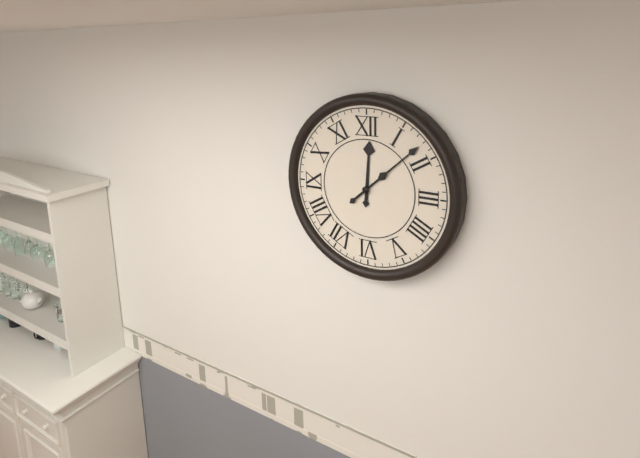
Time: {"hour": 12, "minute": 8}
